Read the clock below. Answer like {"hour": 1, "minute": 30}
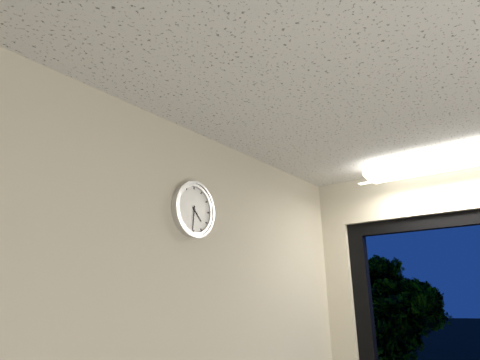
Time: {"hour": 4, "minute": 31}
